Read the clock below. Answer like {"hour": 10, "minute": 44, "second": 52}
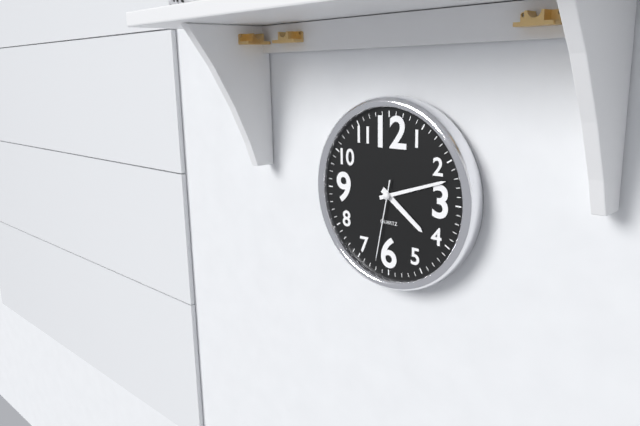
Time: {"hour": 4, "minute": 12, "second": 32}
